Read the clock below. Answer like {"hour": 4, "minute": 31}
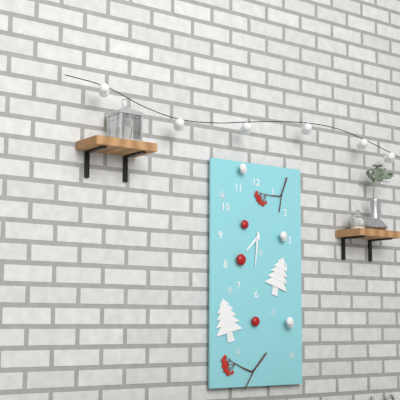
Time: {"hour": 7, "minute": 31}
